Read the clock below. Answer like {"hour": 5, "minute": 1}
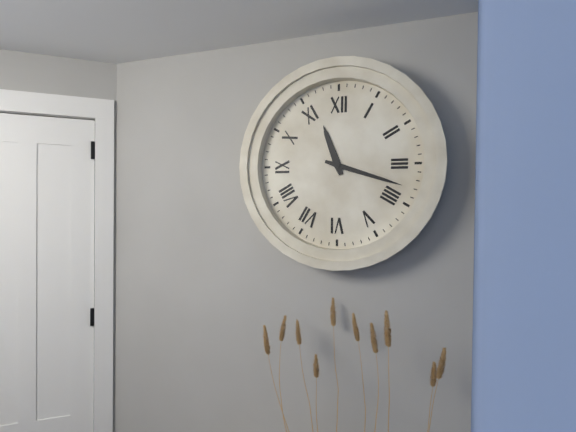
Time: {"hour": 11, "minute": 18}
